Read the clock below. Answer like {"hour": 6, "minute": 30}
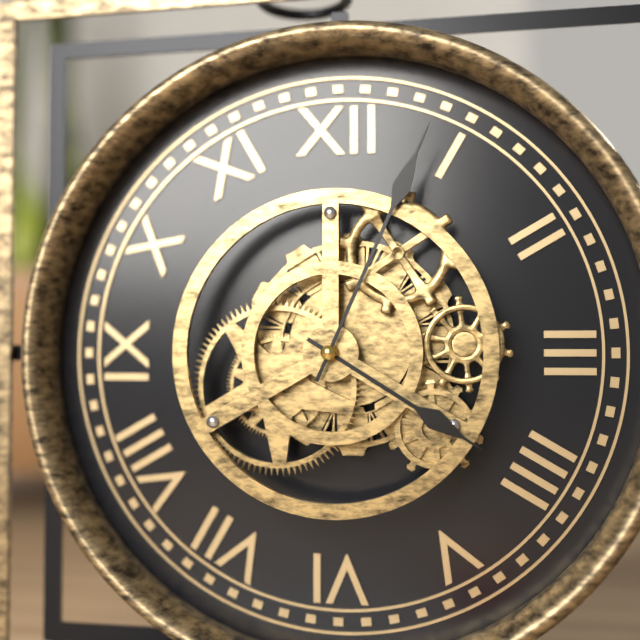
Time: {"hour": 4, "minute": 4}
